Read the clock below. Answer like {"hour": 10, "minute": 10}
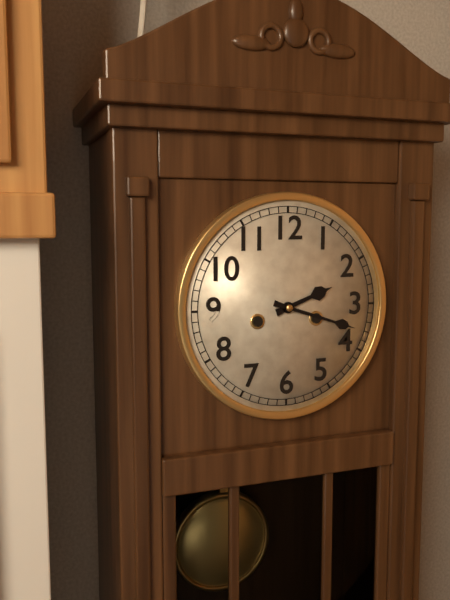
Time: {"hour": 2, "minute": 18}
